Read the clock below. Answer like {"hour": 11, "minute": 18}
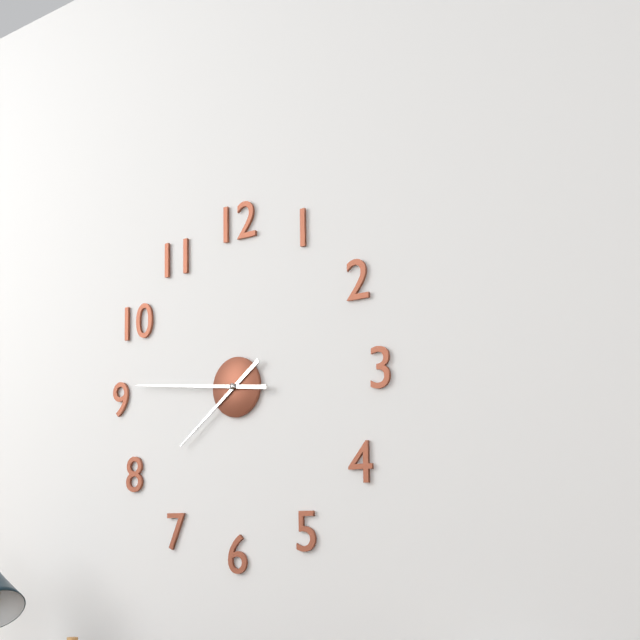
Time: {"hour": 7, "minute": 46}
